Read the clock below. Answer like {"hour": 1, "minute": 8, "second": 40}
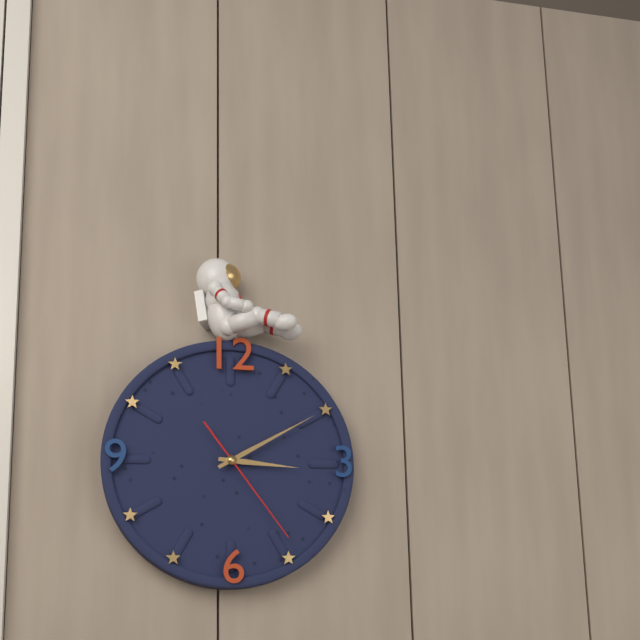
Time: {"hour": 3, "minute": 10, "second": 24}
